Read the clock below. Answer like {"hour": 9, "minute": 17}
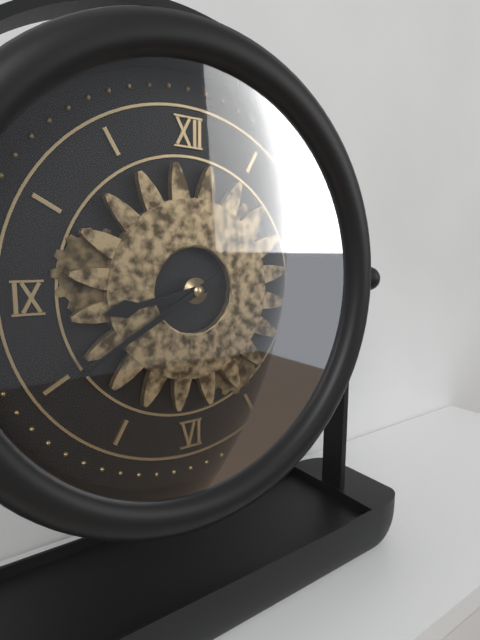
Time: {"hour": 8, "minute": 40}
